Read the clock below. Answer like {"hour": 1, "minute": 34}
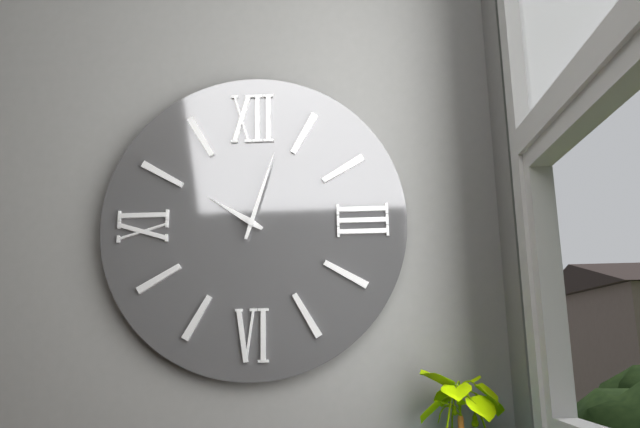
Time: {"hour": 10, "minute": 3}
